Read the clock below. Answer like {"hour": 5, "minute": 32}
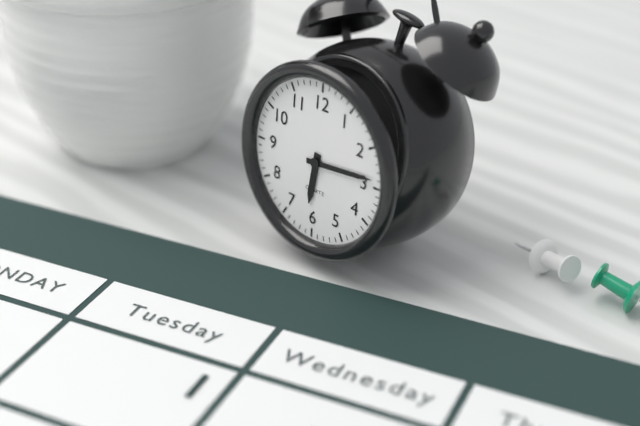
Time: {"hour": 6, "minute": 14}
